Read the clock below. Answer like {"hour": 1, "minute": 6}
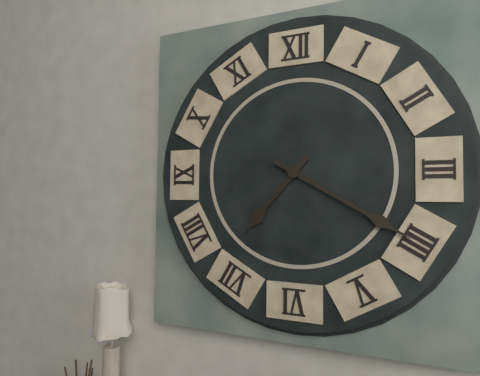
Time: {"hour": 7, "minute": 20}
